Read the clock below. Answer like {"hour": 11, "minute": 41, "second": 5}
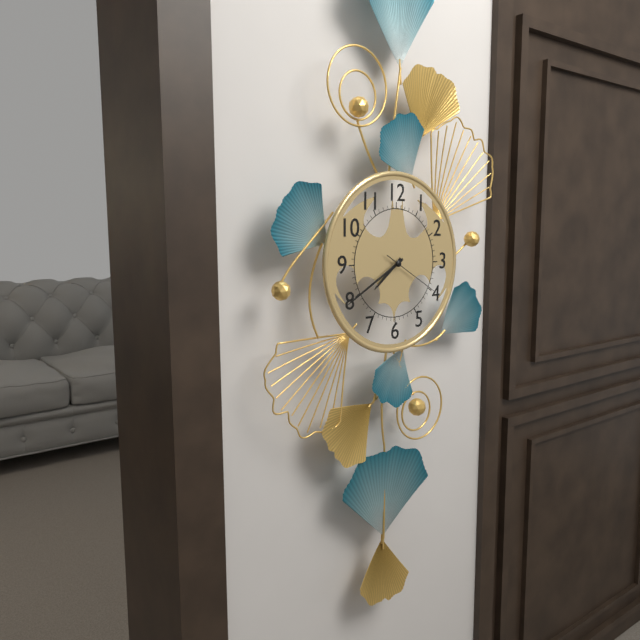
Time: {"hour": 7, "minute": 40, "second": 20}
